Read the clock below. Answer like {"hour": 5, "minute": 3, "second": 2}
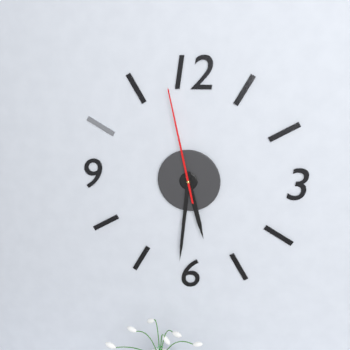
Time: {"hour": 5, "minute": 31, "second": 58}
